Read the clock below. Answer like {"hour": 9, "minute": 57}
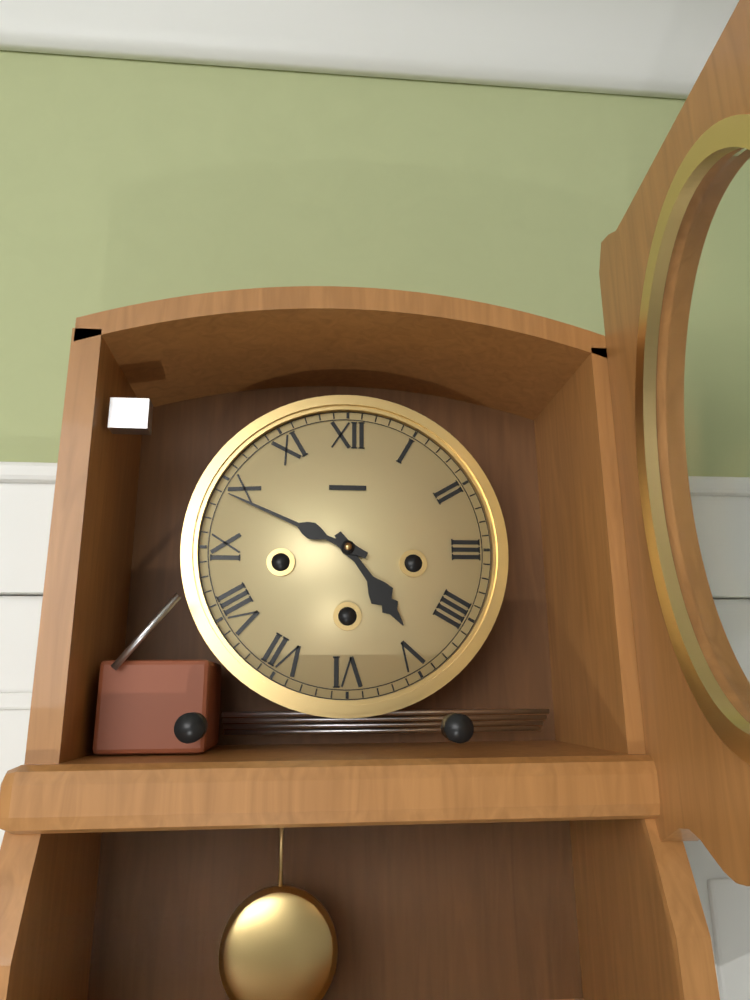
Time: {"hour": 4, "minute": 49}
